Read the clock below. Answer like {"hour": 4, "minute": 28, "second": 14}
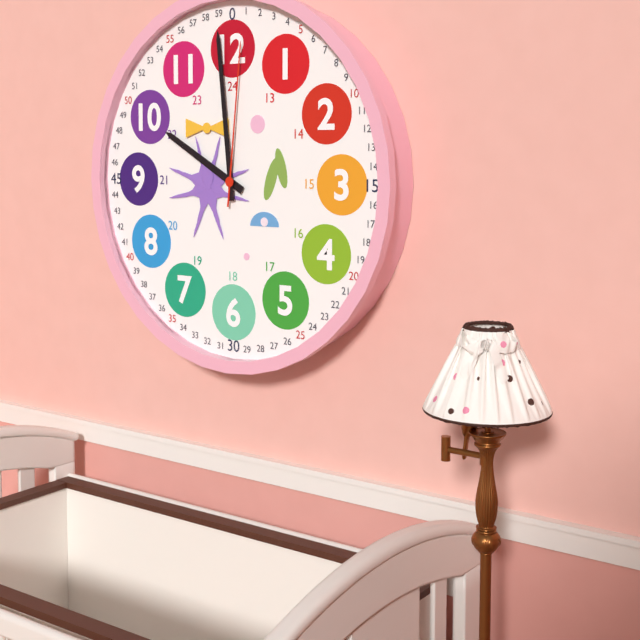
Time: {"hour": 9, "minute": 59, "second": 1}
